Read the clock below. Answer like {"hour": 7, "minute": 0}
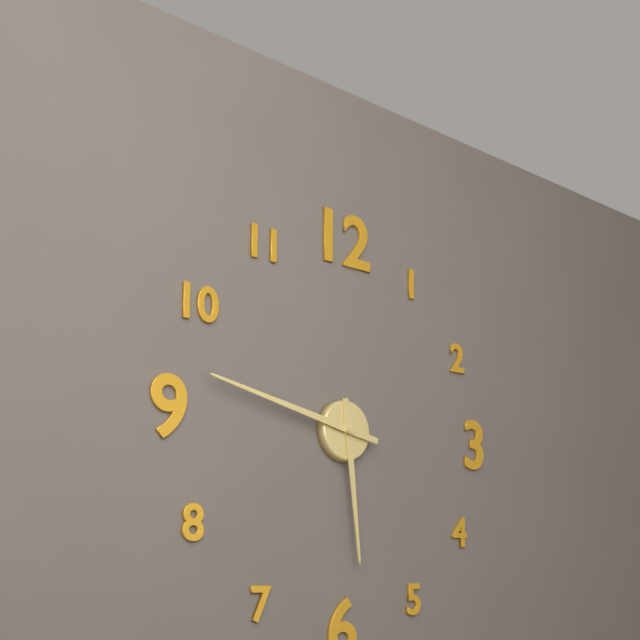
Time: {"hour": 5, "minute": 47}
